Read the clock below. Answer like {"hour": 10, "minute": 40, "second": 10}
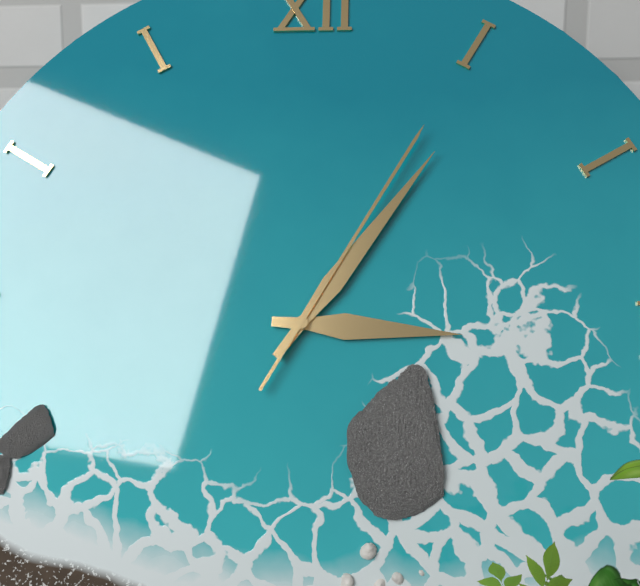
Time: {"hour": 3, "minute": 6, "second": 5}
